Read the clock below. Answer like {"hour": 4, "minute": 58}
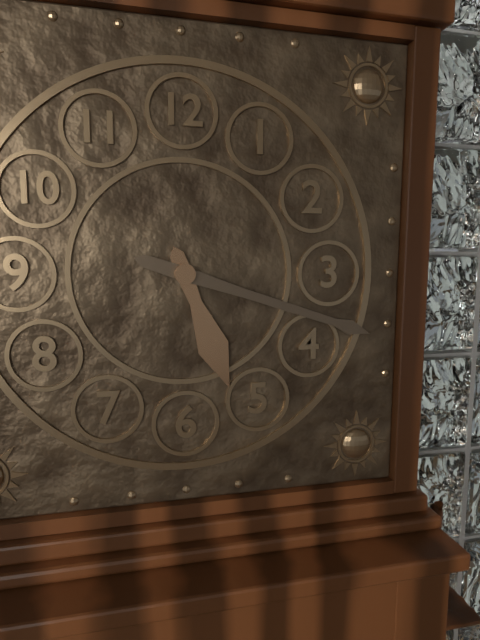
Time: {"hour": 5, "minute": 18}
